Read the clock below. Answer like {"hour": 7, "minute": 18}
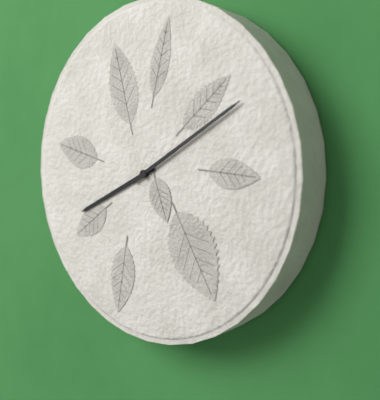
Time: {"hour": 8, "minute": 10}
